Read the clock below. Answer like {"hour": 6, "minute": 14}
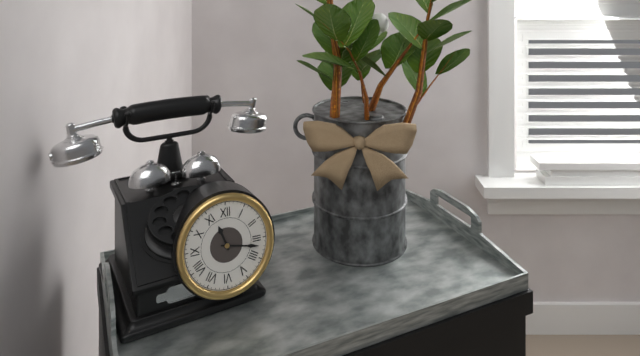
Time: {"hour": 11, "minute": 17}
